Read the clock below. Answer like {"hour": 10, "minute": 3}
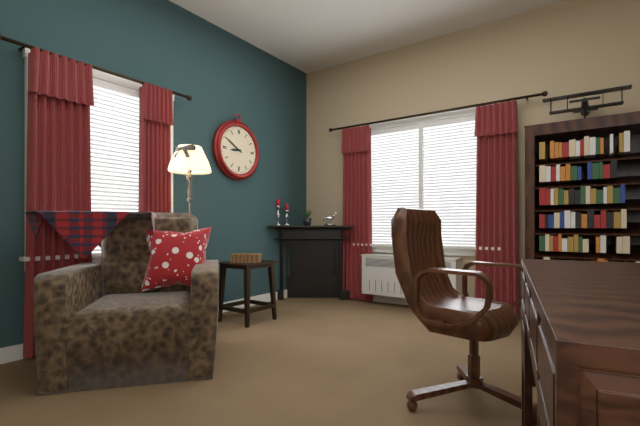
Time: {"hour": 8, "minute": 50}
